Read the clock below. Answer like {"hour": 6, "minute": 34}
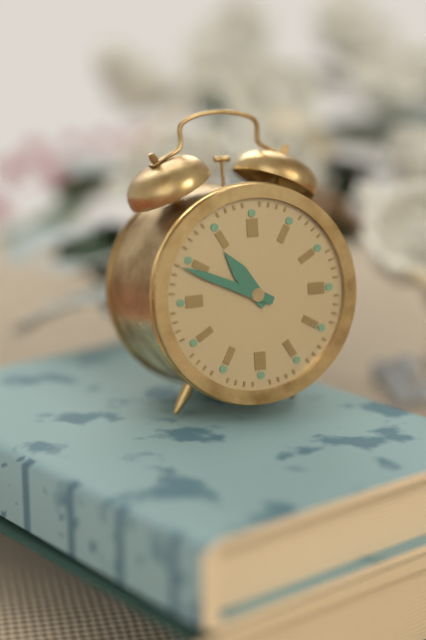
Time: {"hour": 10, "minute": 49}
